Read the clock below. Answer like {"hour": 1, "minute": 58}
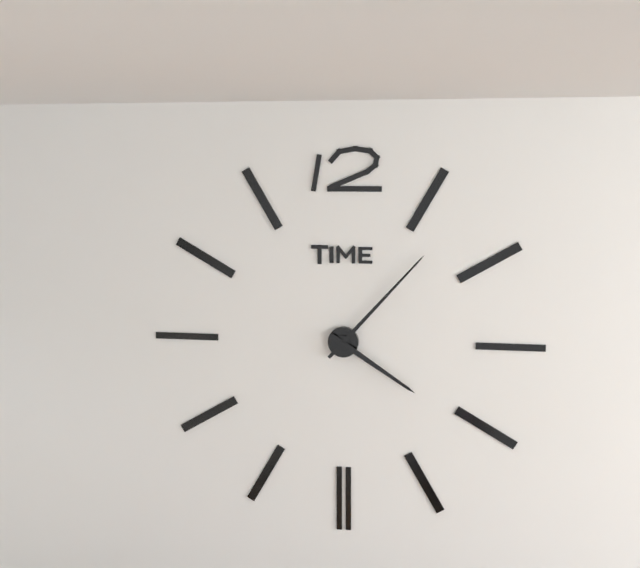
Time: {"hour": 4, "minute": 7}
